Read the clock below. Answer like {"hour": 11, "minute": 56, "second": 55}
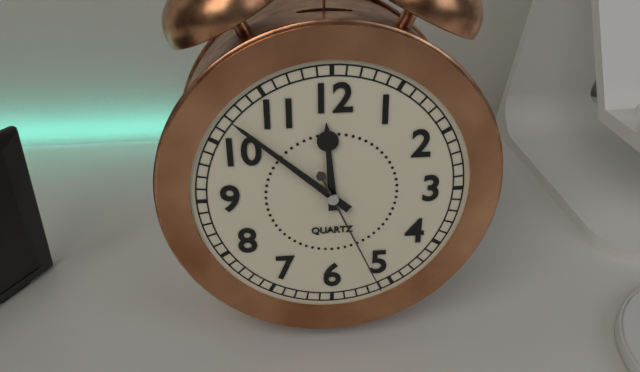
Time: {"hour": 11, "minute": 52, "second": 26}
